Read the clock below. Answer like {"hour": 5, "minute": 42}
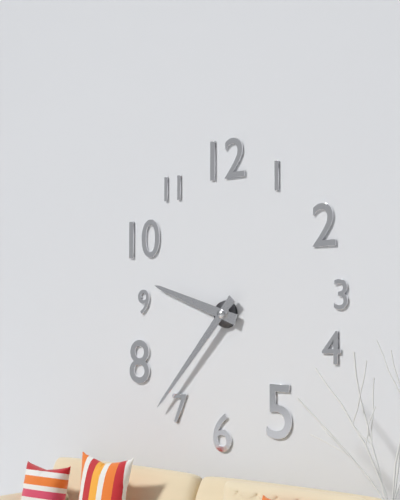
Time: {"hour": 9, "minute": 37}
